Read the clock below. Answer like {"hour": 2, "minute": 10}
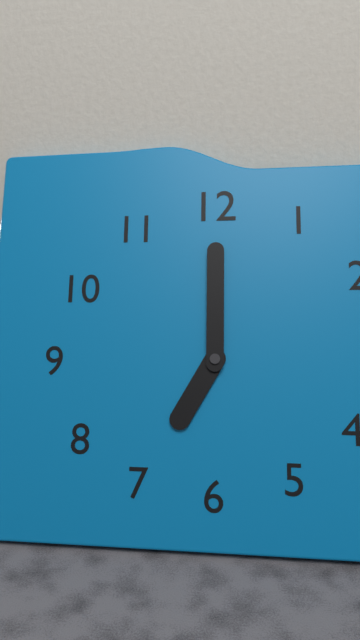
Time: {"hour": 7, "minute": 0}
